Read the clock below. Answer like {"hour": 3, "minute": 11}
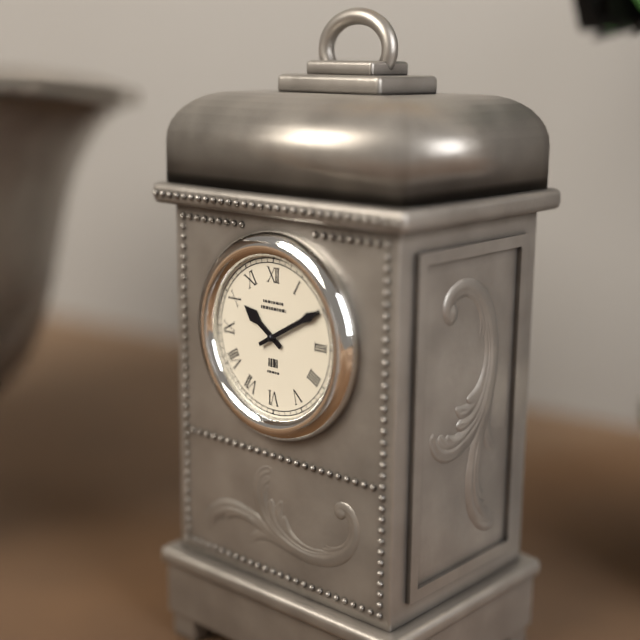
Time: {"hour": 10, "minute": 10}
